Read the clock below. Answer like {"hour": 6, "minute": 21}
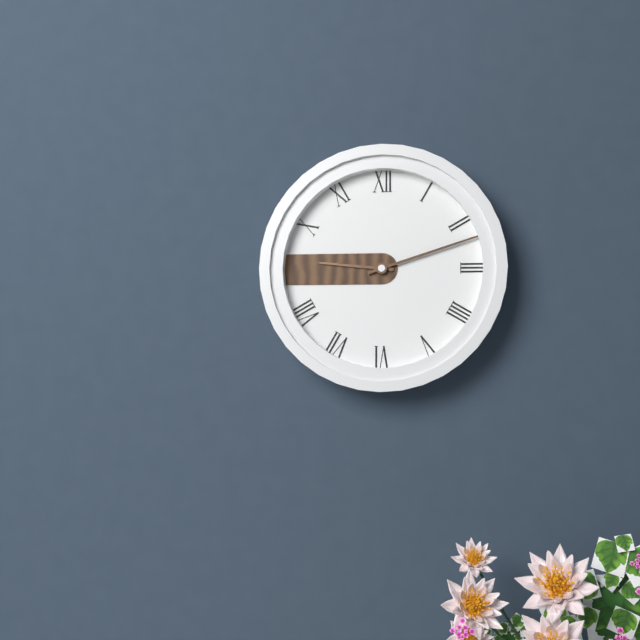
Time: {"hour": 9, "minute": 12}
